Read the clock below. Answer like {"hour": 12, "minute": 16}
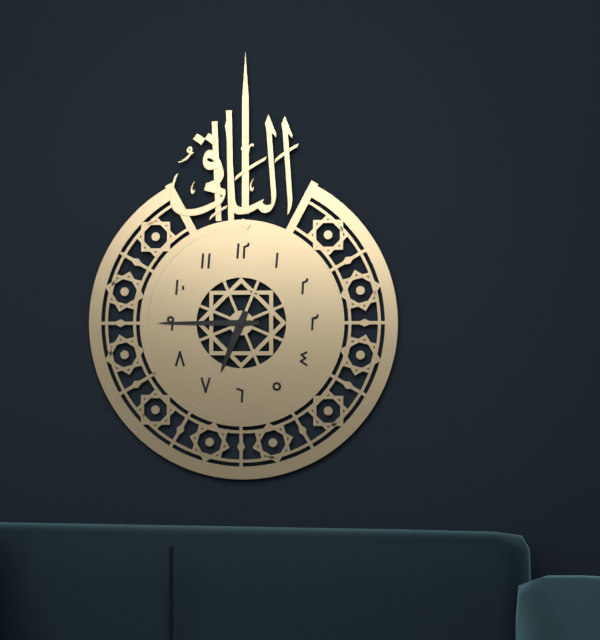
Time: {"hour": 6, "minute": 45}
